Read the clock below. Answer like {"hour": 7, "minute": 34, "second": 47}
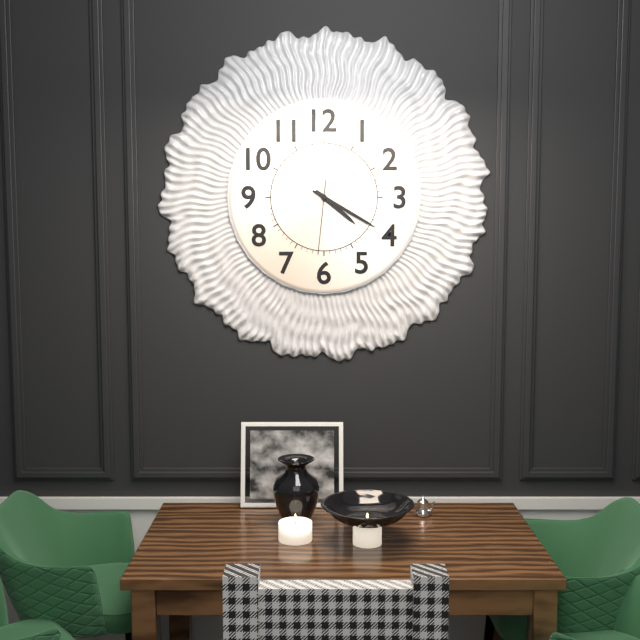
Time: {"hour": 4, "minute": 20, "second": 31}
